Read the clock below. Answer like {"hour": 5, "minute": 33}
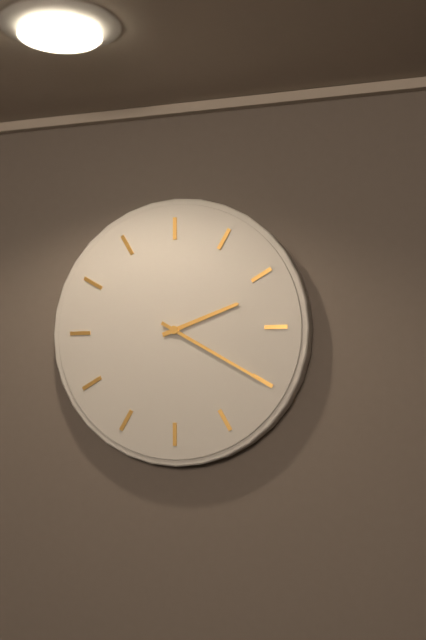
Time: {"hour": 2, "minute": 20}
